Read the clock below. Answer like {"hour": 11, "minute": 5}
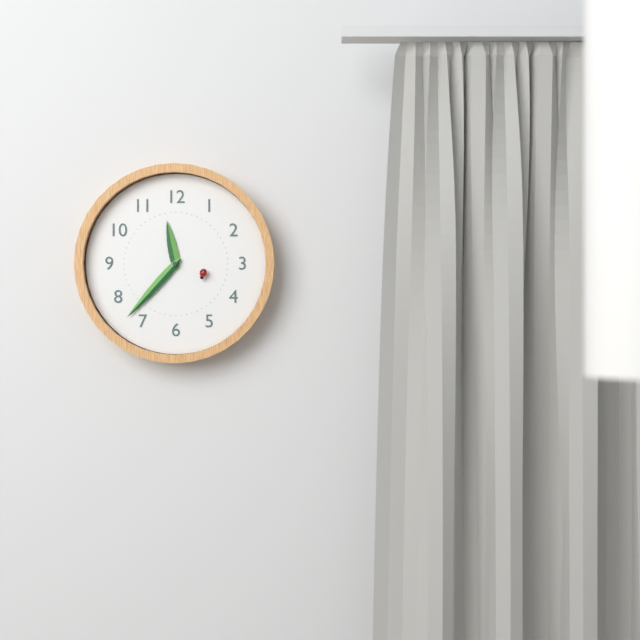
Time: {"hour": 11, "minute": 37}
